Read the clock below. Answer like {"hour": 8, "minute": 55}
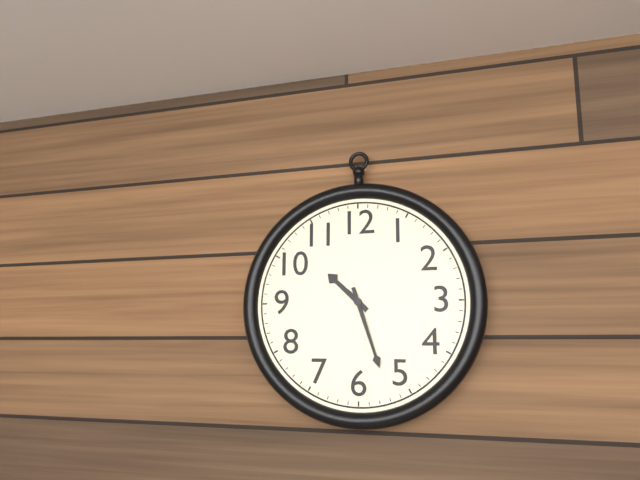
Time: {"hour": 10, "minute": 27}
